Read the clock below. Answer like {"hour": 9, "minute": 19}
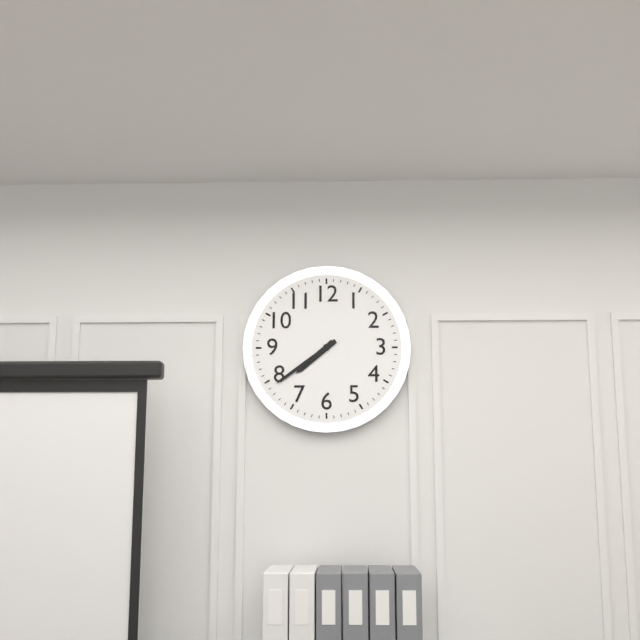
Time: {"hour": 7, "minute": 39}
